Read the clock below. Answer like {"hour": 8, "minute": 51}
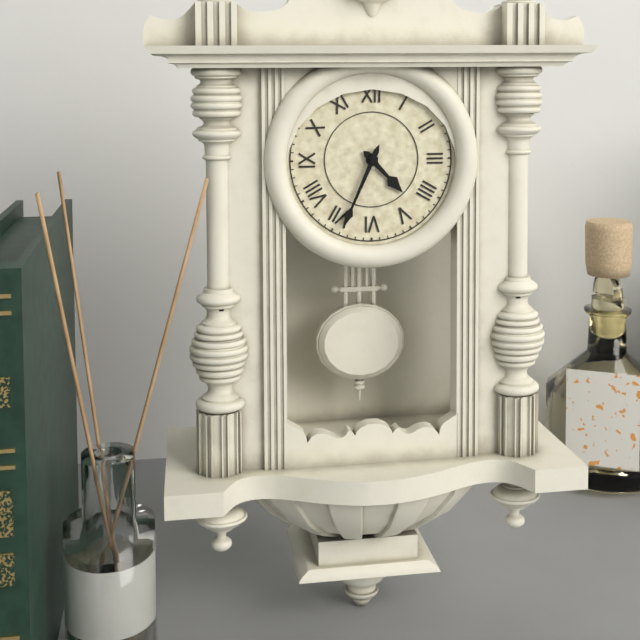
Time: {"hour": 4, "minute": 34}
